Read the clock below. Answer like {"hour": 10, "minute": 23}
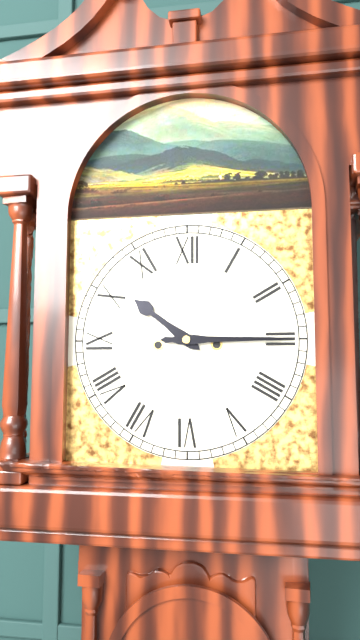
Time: {"hour": 10, "minute": 15}
